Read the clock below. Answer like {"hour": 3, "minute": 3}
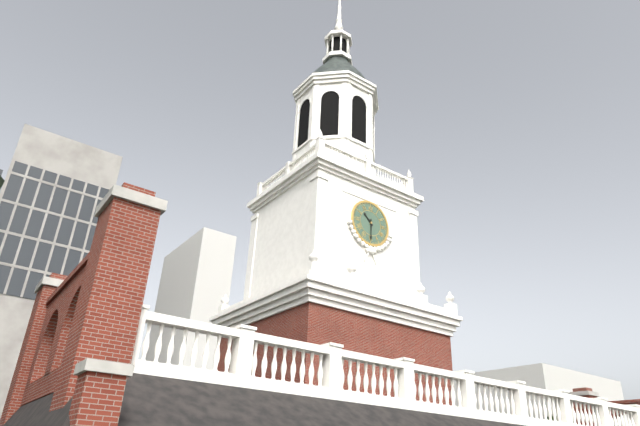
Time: {"hour": 10, "minute": 30}
